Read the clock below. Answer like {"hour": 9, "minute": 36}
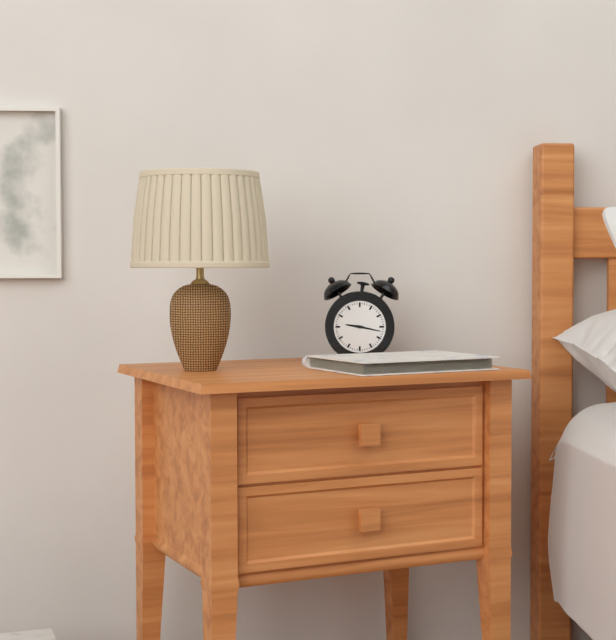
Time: {"hour": 9, "minute": 17}
